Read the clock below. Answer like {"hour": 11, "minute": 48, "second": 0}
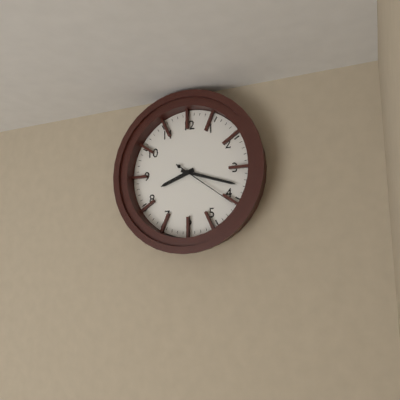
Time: {"hour": 8, "minute": 18, "second": 21}
